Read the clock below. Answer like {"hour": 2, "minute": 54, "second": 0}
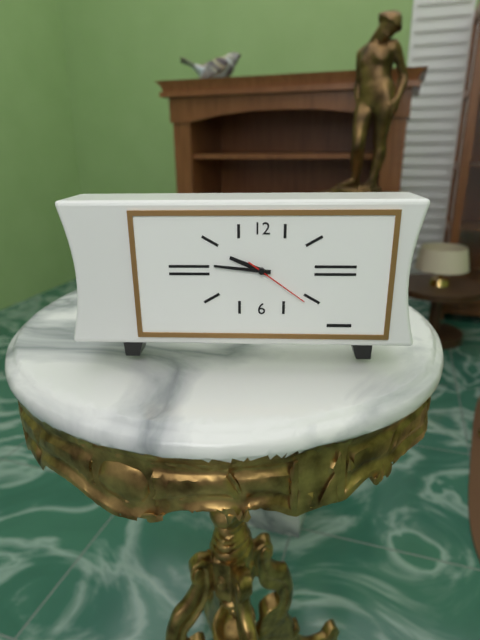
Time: {"hour": 9, "minute": 46, "second": 21}
